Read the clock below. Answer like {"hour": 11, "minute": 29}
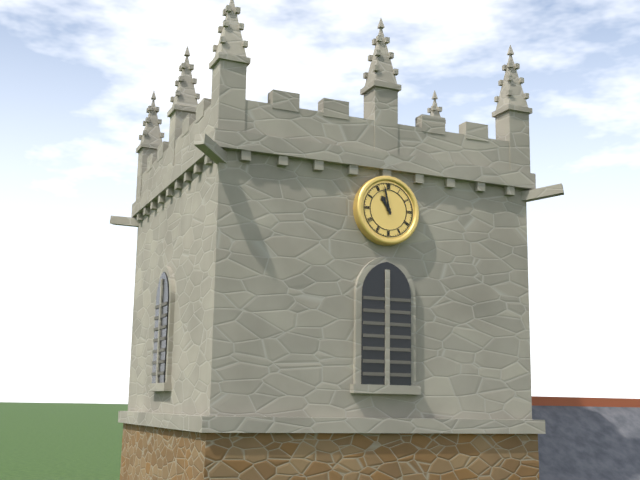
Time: {"hour": 10, "minute": 58}
